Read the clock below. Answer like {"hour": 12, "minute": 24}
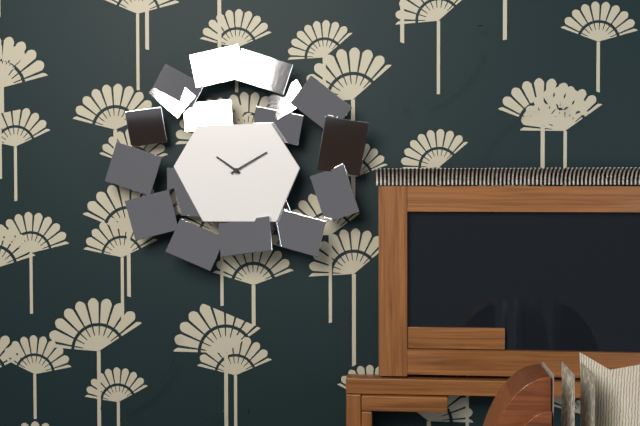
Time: {"hour": 10, "minute": 10}
